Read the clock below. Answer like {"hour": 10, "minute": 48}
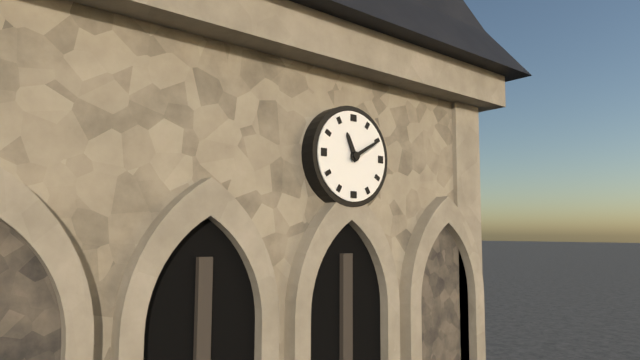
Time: {"hour": 11, "minute": 10}
